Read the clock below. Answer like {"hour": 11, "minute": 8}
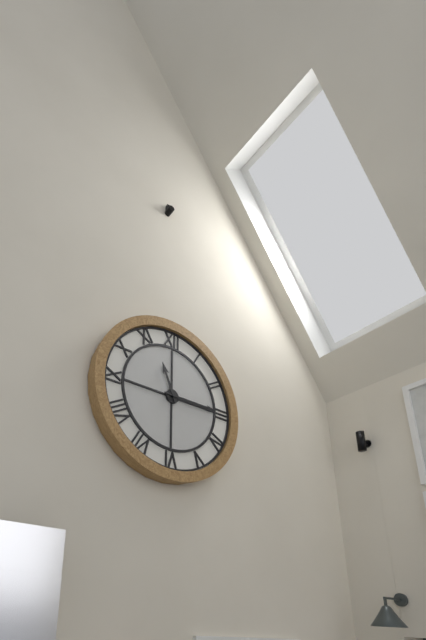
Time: {"hour": 11, "minute": 15}
